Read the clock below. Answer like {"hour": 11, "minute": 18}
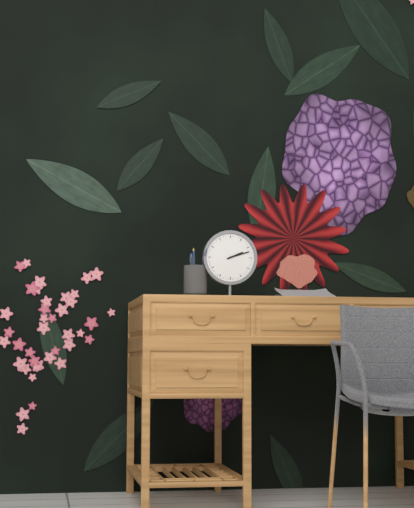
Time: {"hour": 2, "minute": 12}
